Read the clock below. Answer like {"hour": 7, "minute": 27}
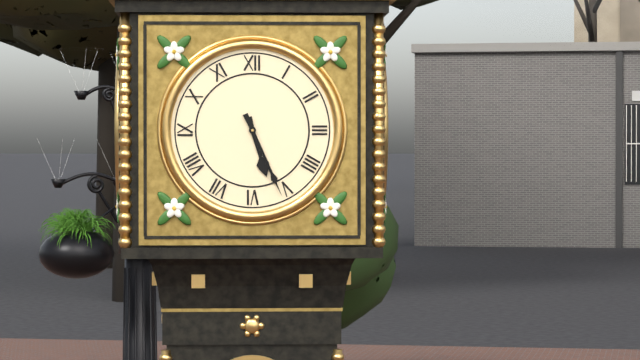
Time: {"hour": 5, "minute": 26}
